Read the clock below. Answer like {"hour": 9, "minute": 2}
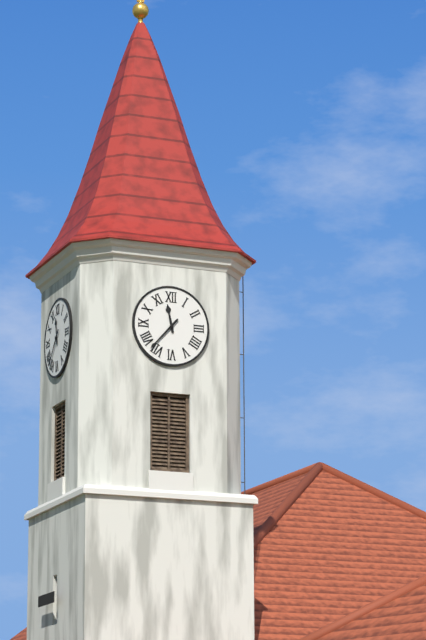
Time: {"hour": 11, "minute": 37}
